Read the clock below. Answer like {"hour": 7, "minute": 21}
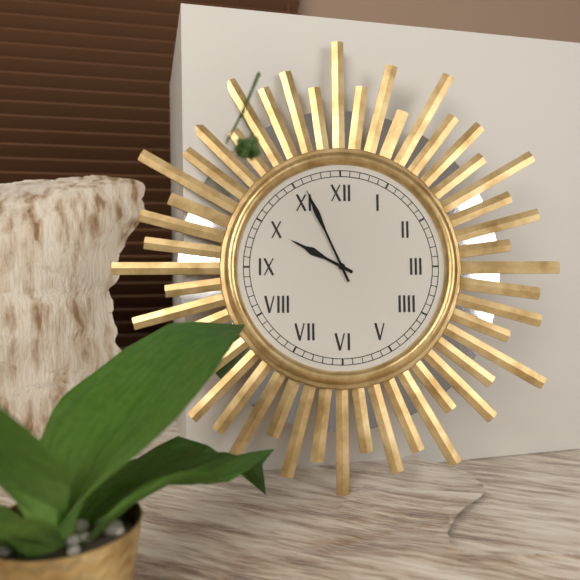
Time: {"hour": 9, "minute": 56}
